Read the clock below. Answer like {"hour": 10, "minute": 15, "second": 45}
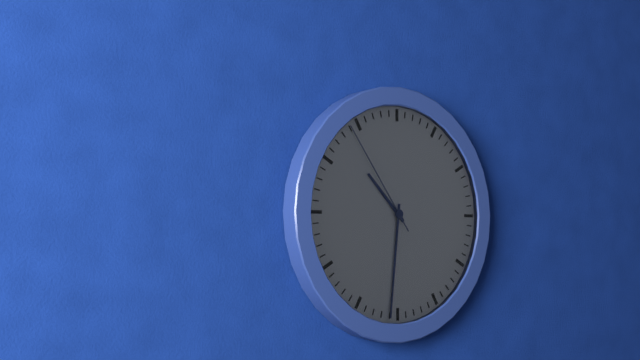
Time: {"hour": 10, "minute": 31, "second": 54}
